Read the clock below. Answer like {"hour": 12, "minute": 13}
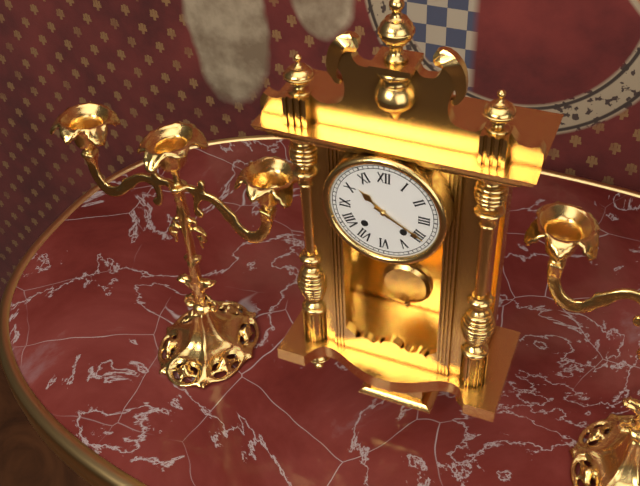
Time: {"hour": 10, "minute": 20}
